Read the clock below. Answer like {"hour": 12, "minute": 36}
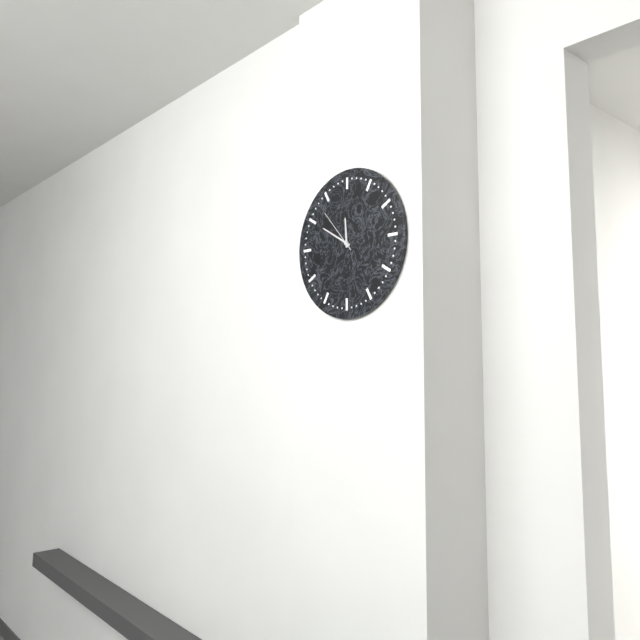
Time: {"hour": 11, "minute": 50}
